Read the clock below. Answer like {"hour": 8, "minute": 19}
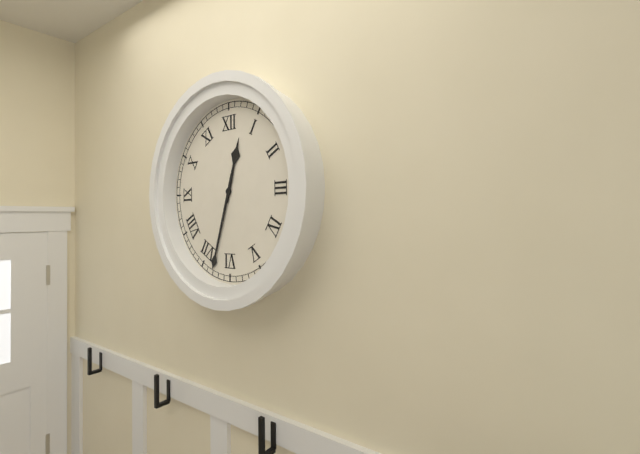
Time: {"hour": 12, "minute": 33}
